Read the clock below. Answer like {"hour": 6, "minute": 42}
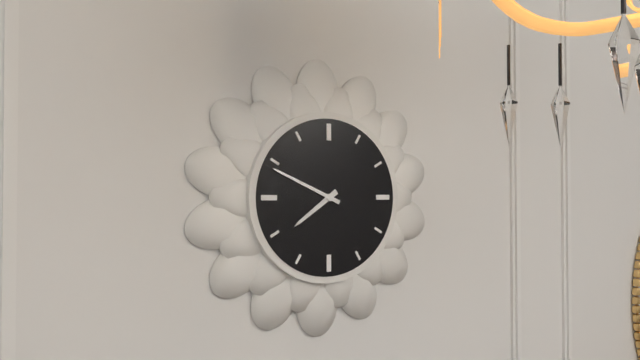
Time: {"hour": 7, "minute": 49}
